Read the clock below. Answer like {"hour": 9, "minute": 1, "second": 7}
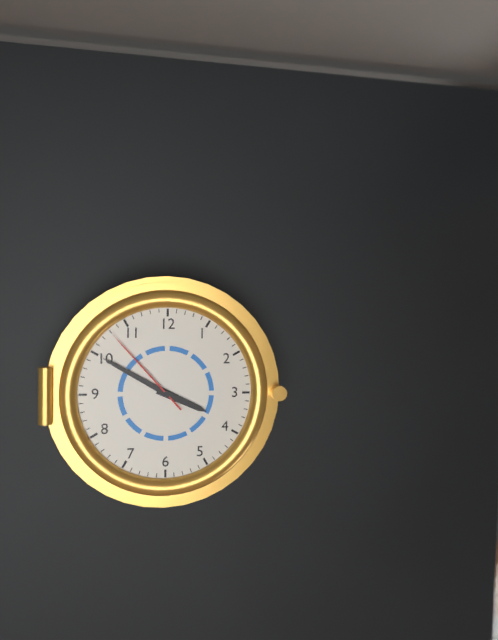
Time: {"hour": 3, "minute": 50, "second": 53}
